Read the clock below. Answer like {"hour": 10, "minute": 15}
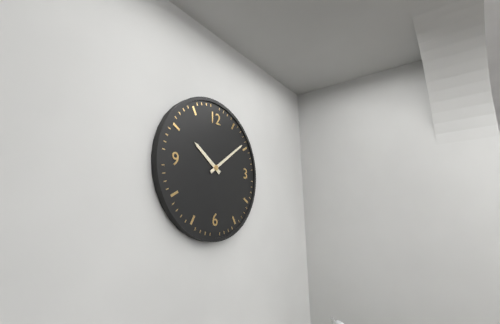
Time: {"hour": 10, "minute": 9}
